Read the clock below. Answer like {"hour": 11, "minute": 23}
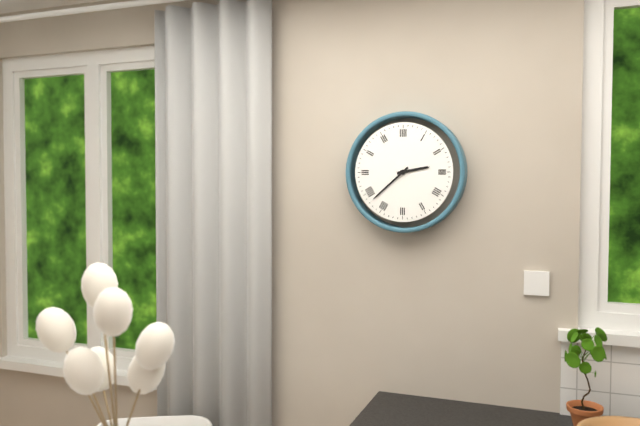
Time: {"hour": 2, "minute": 38}
